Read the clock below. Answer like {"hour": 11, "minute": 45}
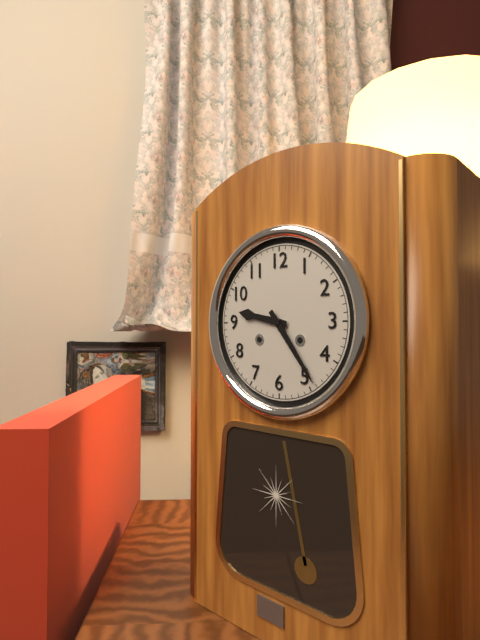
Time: {"hour": 9, "minute": 24}
